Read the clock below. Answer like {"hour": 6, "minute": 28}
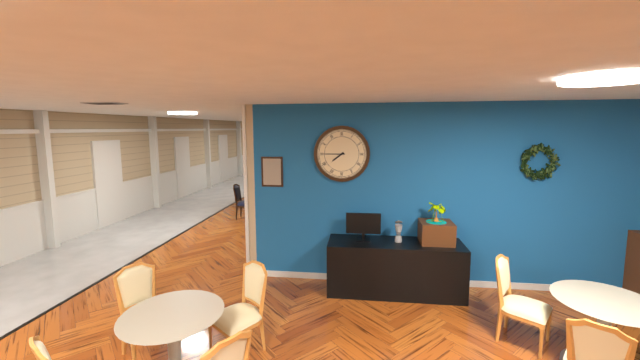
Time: {"hour": 7, "minute": 45}
